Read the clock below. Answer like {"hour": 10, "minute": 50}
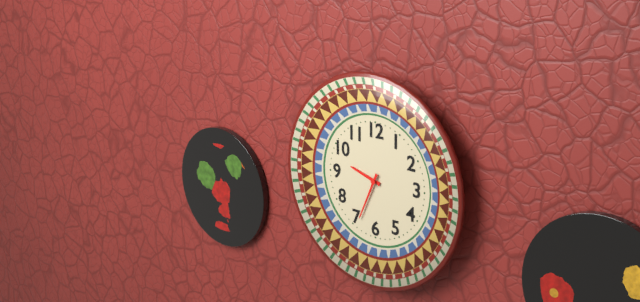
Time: {"hour": 9, "minute": 34}
